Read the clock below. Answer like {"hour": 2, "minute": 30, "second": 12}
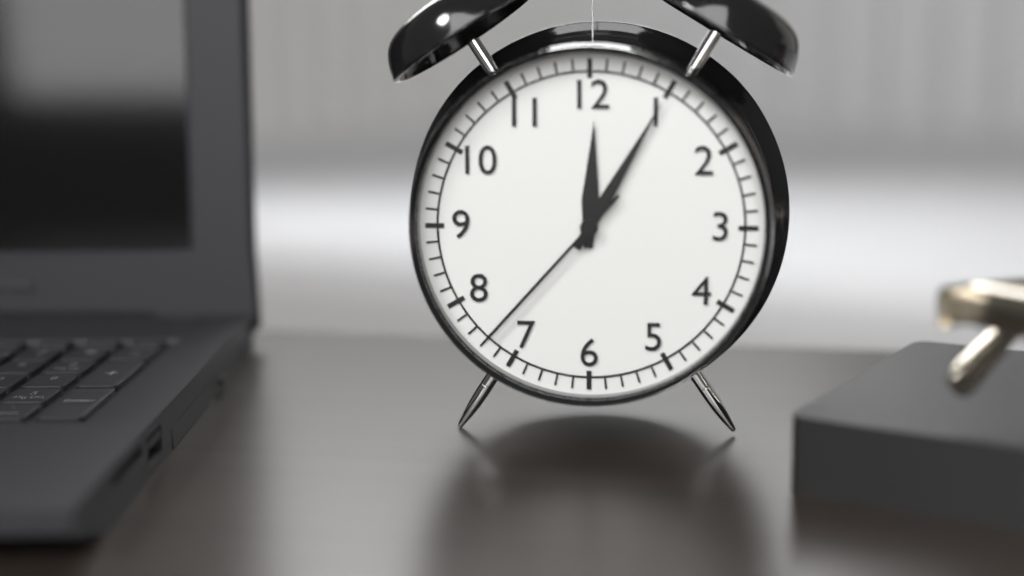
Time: {"hour": 12, "minute": 5, "second": 37}
